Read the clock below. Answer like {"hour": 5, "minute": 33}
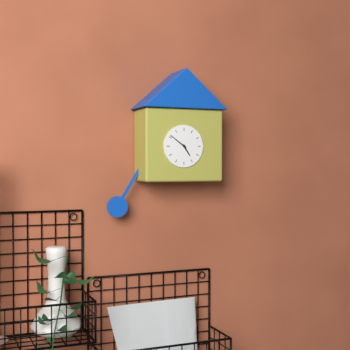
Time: {"hour": 4, "minute": 51}
